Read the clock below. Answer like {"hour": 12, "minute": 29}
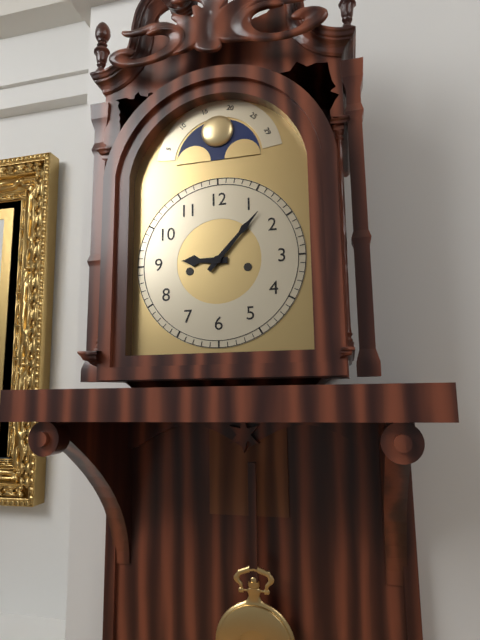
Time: {"hour": 9, "minute": 7}
